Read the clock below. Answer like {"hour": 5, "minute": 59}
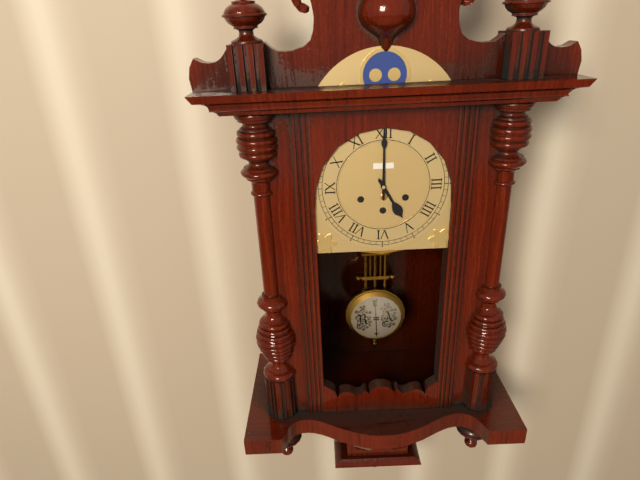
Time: {"hour": 5, "minute": 0}
